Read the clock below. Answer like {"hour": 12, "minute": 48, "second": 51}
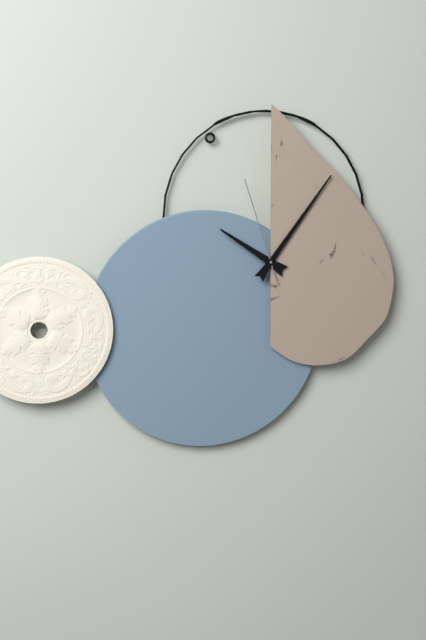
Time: {"hour": 10, "minute": 6, "second": 57}
